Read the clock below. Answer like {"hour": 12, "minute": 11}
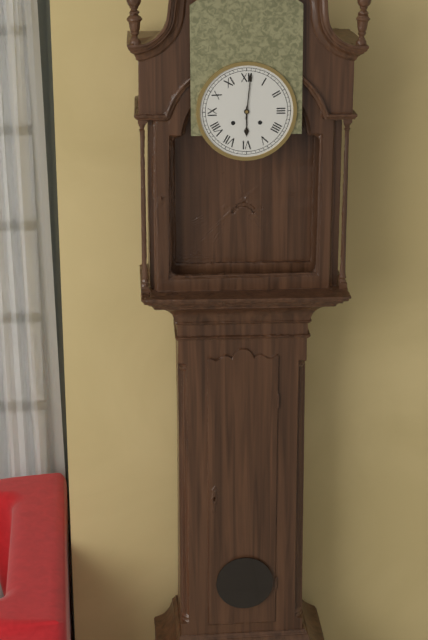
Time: {"hour": 6, "minute": 1}
